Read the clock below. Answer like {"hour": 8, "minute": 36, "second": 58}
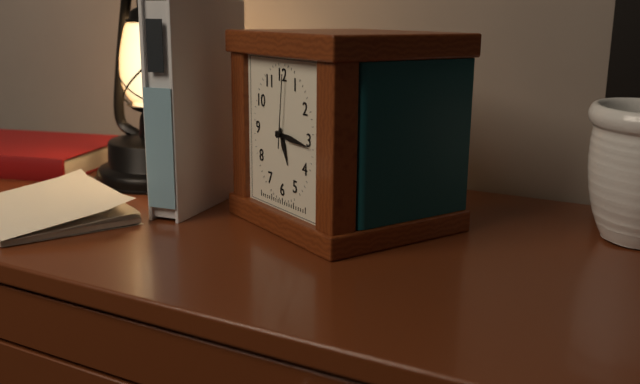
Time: {"hour": 5, "minute": 16, "second": 1}
